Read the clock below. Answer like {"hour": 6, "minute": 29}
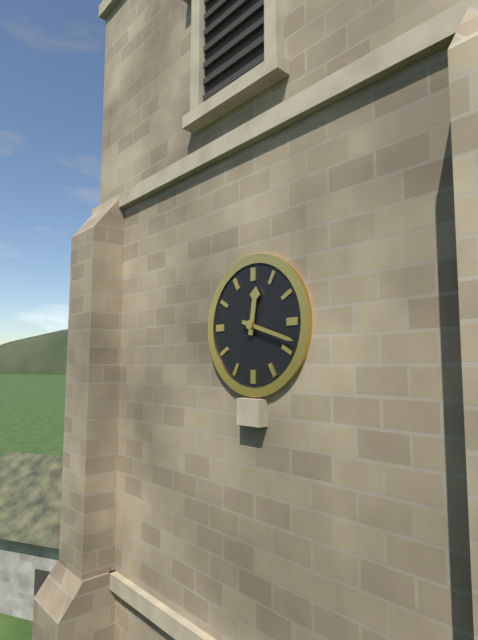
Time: {"hour": 12, "minute": 18}
